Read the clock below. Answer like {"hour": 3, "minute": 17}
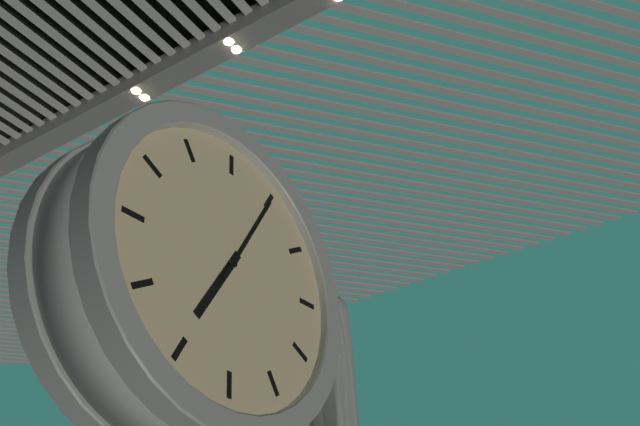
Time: {"hour": 7, "minute": 5}
